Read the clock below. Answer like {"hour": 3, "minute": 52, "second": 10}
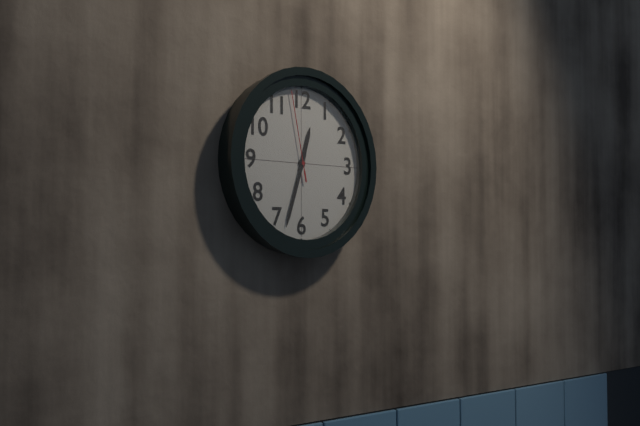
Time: {"hour": 12, "minute": 33, "second": 58}
